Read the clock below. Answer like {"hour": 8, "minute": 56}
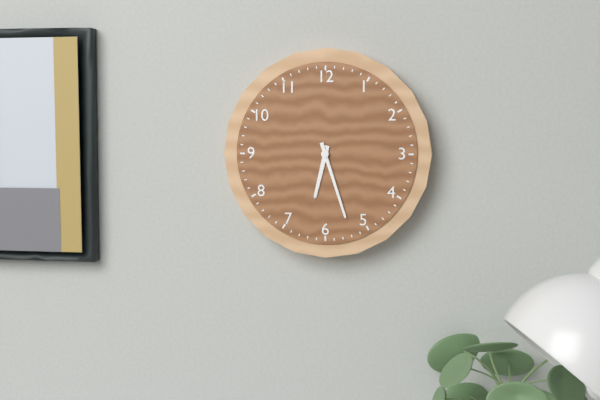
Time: {"hour": 6, "minute": 27}
